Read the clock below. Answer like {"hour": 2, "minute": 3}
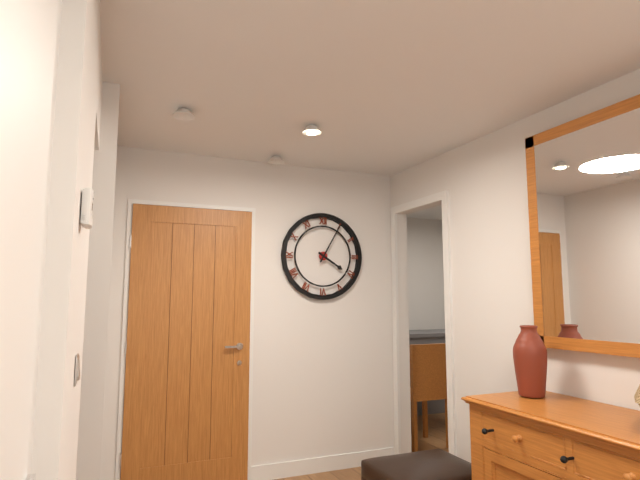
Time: {"hour": 4, "minute": 5}
